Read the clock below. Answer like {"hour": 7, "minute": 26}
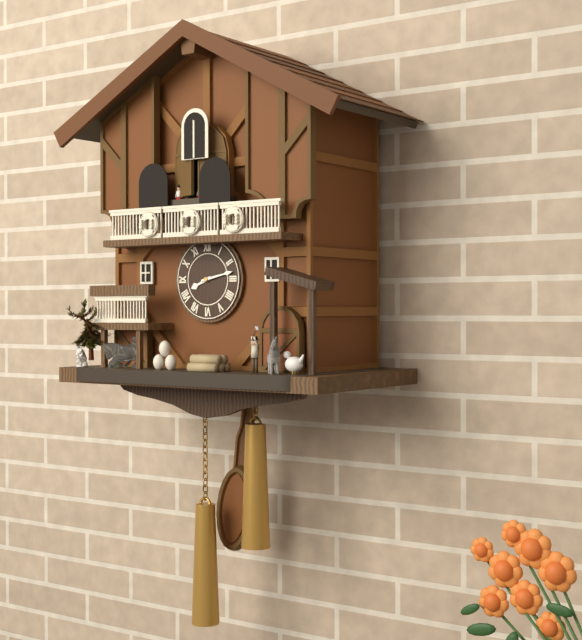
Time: {"hour": 8, "minute": 13}
